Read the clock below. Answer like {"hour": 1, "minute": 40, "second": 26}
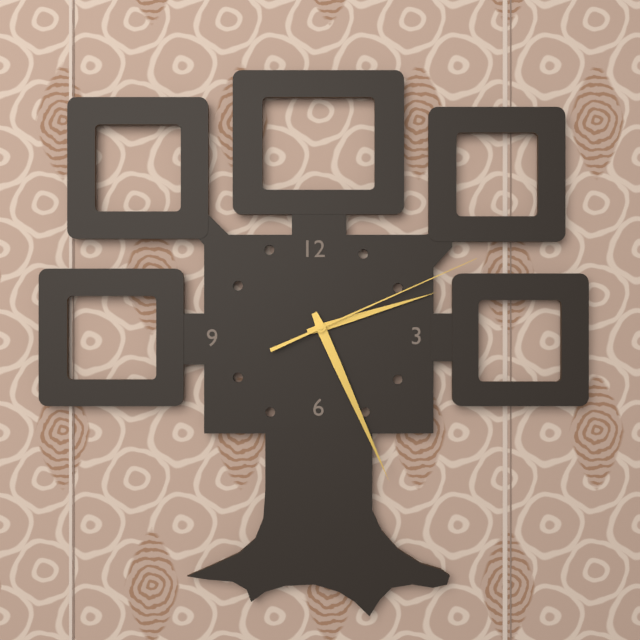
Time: {"hour": 2, "minute": 26, "second": 11}
